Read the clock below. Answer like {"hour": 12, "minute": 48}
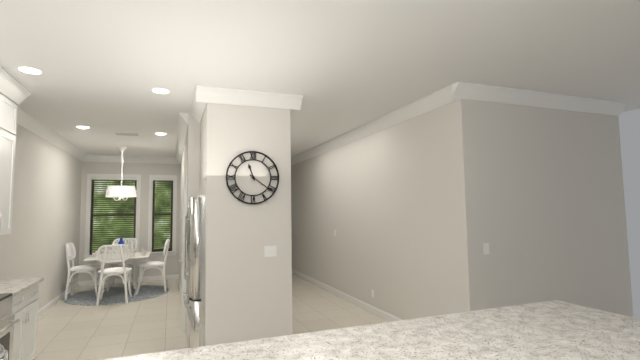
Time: {"hour": 11, "minute": 21}
